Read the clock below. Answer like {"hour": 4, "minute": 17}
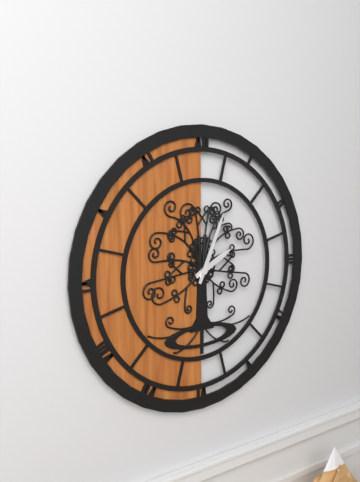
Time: {"hour": 2, "minute": 4}
